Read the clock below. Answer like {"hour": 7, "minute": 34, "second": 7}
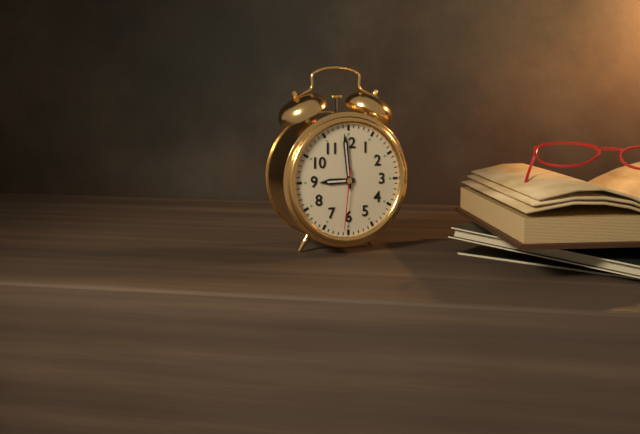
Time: {"hour": 8, "minute": 59, "second": 31}
